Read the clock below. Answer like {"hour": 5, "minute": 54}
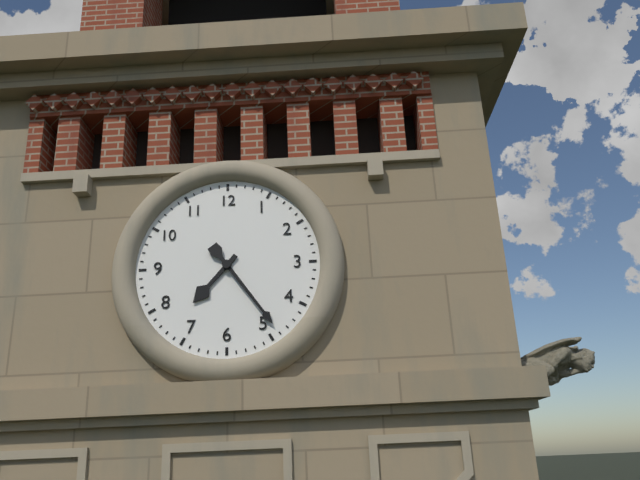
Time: {"hour": 7, "minute": 24}
